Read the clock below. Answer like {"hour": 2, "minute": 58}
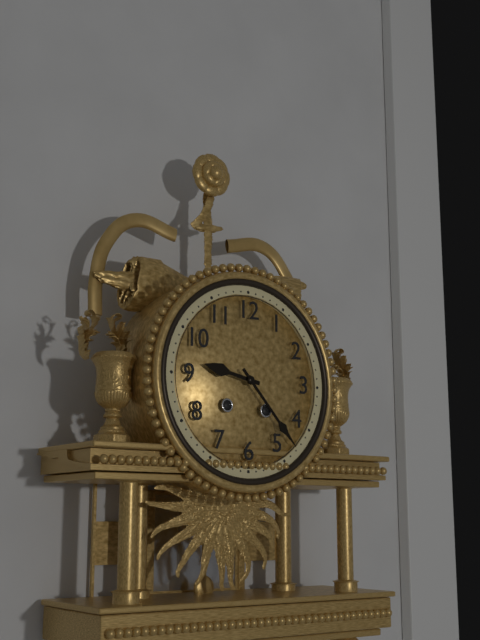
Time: {"hour": 9, "minute": 23}
